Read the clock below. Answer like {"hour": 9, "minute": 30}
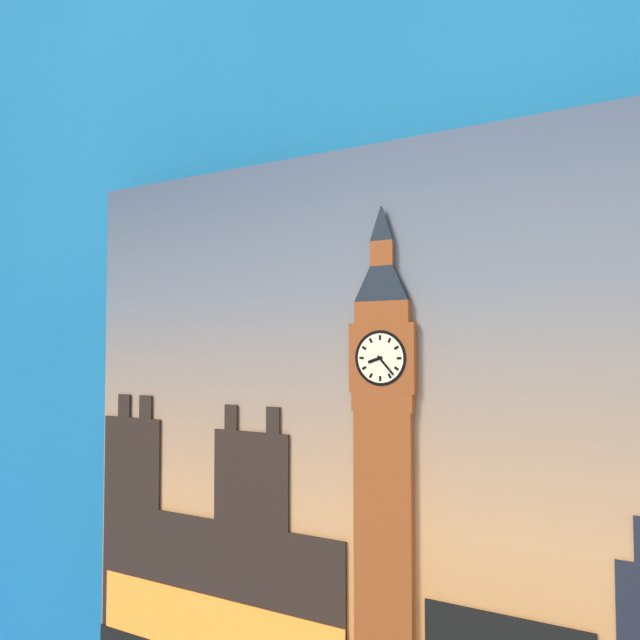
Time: {"hour": 8, "minute": 23}
